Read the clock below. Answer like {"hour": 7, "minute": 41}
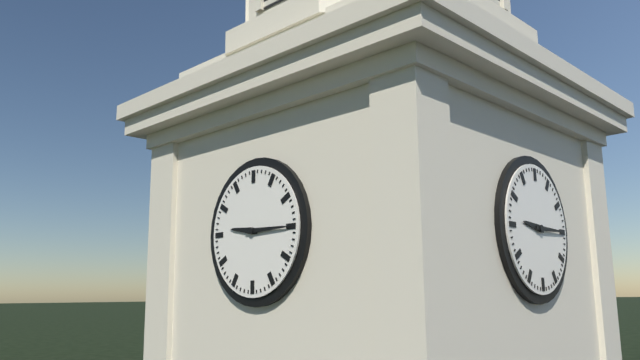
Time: {"hour": 9, "minute": 15}
